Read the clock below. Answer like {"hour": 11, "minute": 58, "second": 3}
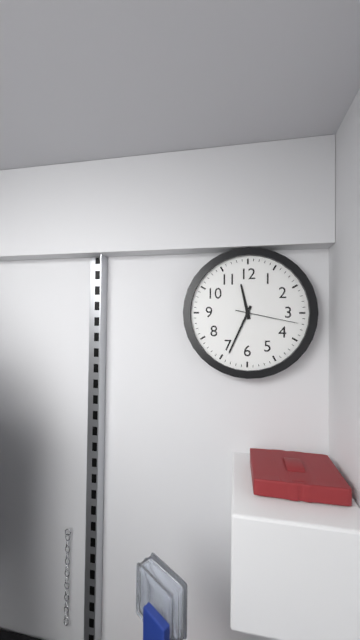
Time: {"hour": 11, "minute": 34, "second": 17}
